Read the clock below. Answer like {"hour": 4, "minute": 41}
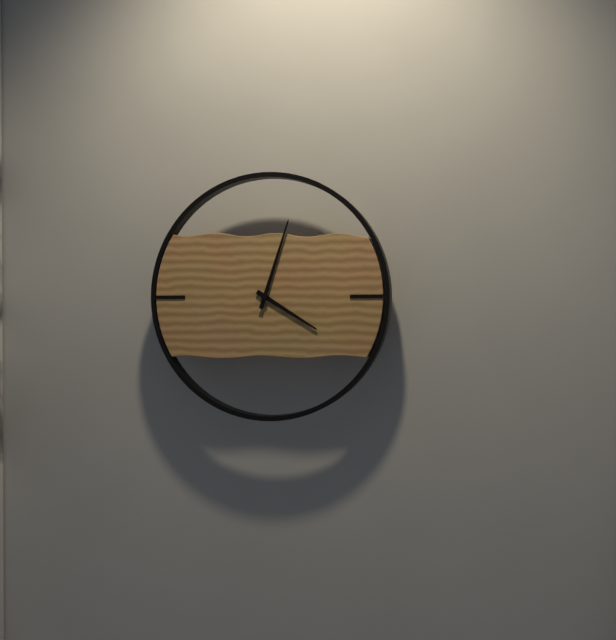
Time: {"hour": 4, "minute": 3}
